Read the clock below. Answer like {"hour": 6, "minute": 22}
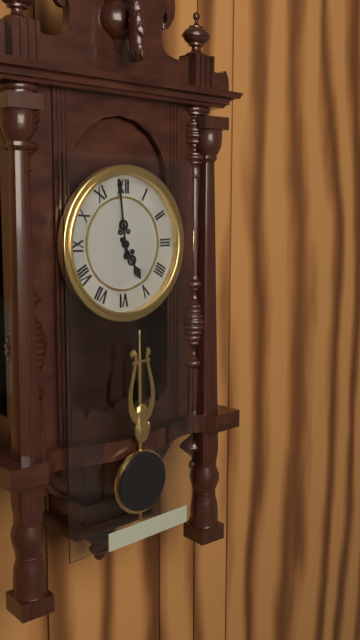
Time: {"hour": 4, "minute": 59}
